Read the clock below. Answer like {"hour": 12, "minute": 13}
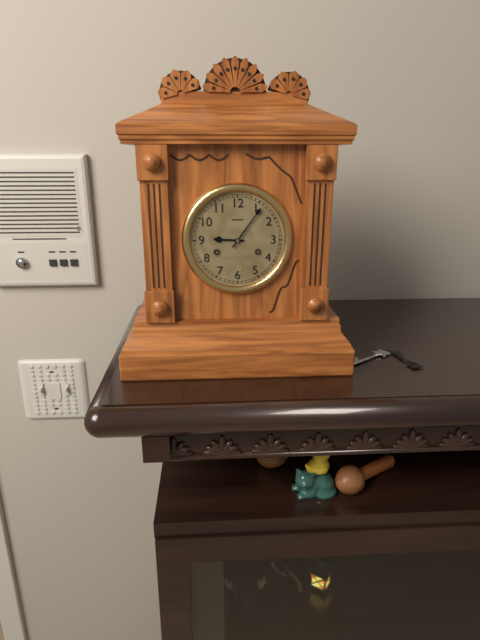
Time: {"hour": 9, "minute": 6}
